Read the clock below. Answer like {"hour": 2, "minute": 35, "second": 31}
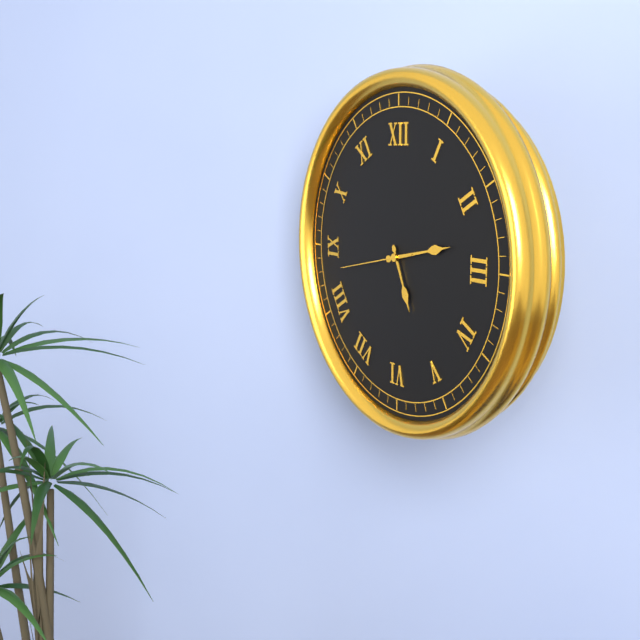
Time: {"hour": 5, "minute": 13, "second": 43}
